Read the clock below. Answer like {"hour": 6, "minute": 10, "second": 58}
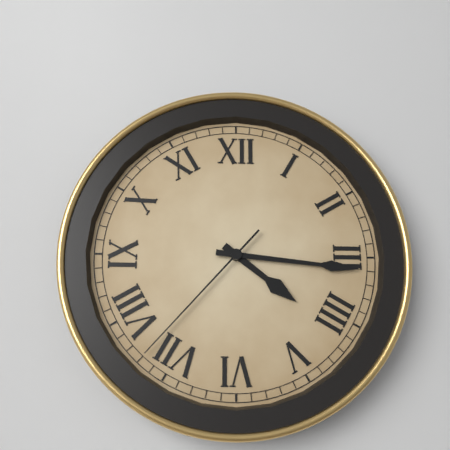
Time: {"hour": 4, "minute": 16, "second": 37}
